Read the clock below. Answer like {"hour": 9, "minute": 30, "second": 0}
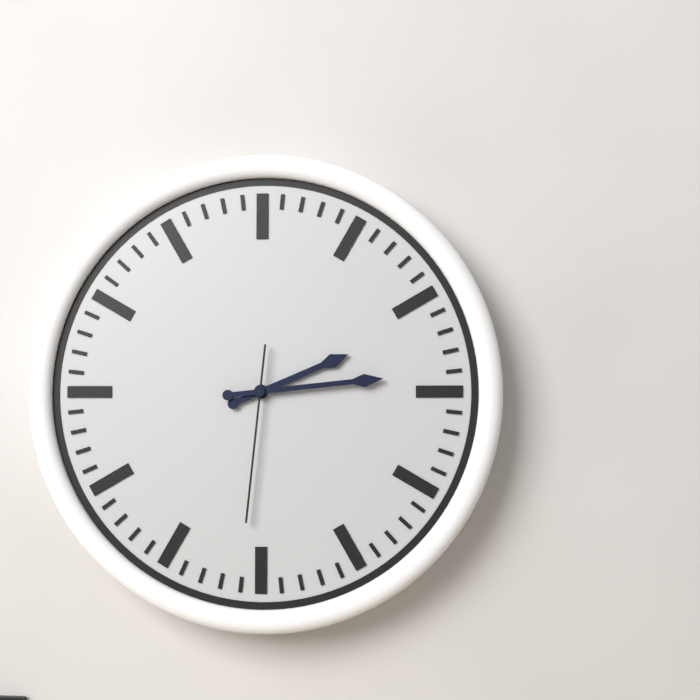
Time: {"hour": 2, "minute": 14, "second": 31}
